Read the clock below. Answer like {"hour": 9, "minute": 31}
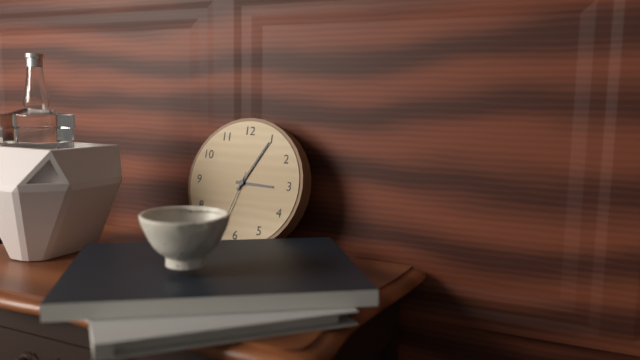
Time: {"hour": 3, "minute": 5}
